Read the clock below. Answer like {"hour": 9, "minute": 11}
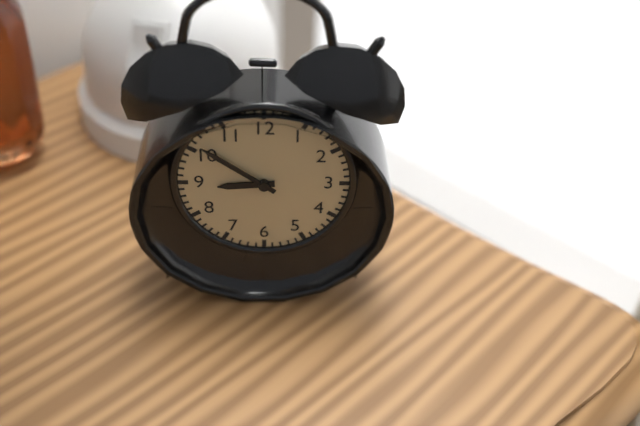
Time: {"hour": 8, "minute": 51}
